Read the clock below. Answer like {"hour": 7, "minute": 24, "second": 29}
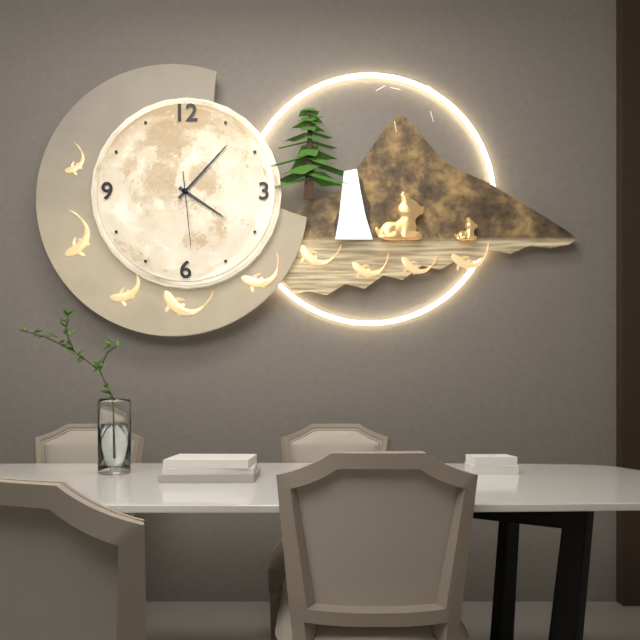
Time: {"hour": 4, "minute": 7, "second": 29}
